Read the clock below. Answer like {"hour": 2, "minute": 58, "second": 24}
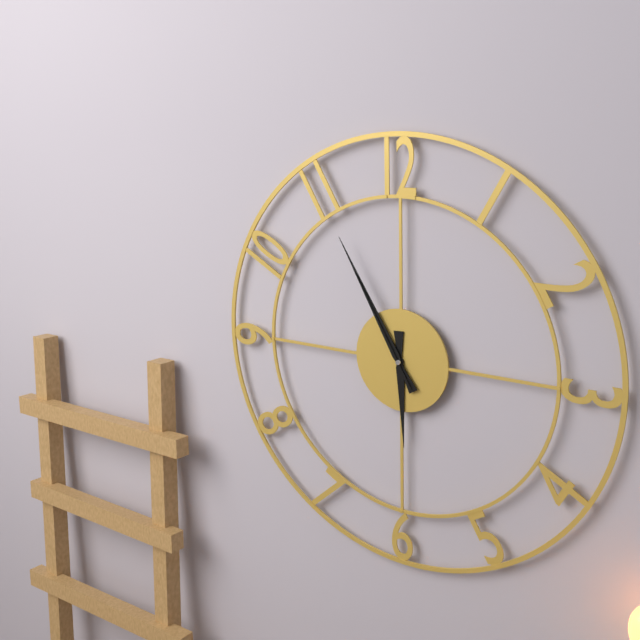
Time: {"hour": 5, "minute": 55, "second": 55}
